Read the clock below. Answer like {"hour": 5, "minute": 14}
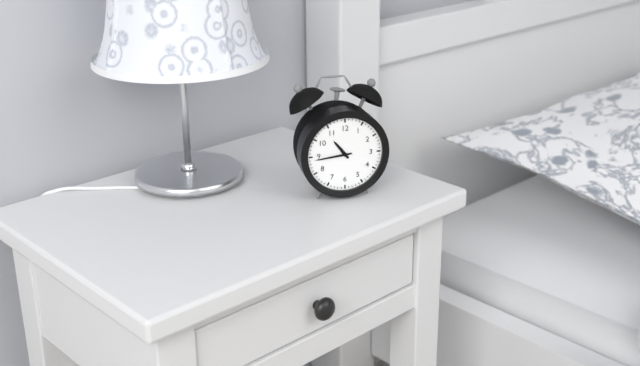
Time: {"hour": 10, "minute": 44}
